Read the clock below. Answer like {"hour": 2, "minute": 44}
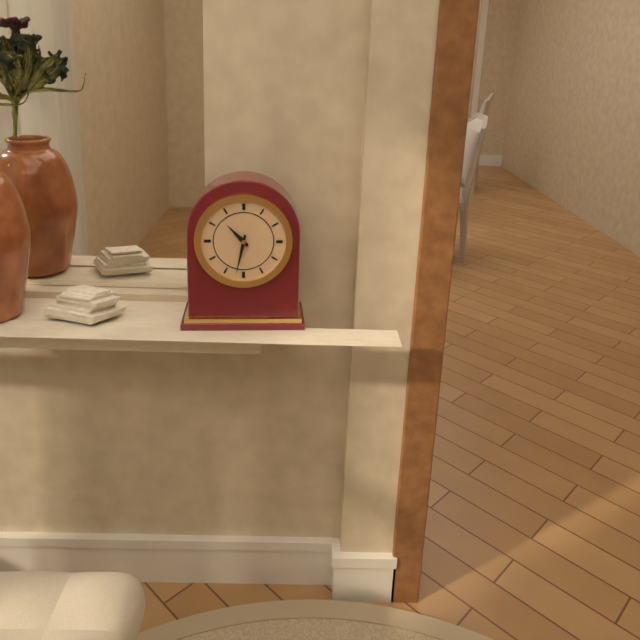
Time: {"hour": 10, "minute": 32}
